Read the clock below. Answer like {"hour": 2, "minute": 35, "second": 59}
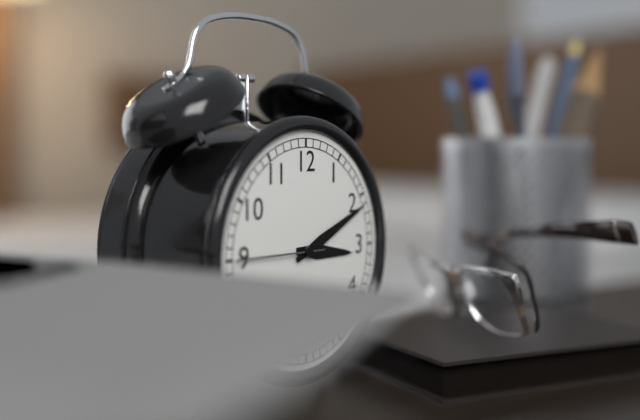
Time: {"hour": 3, "minute": 11, "second": 45}
